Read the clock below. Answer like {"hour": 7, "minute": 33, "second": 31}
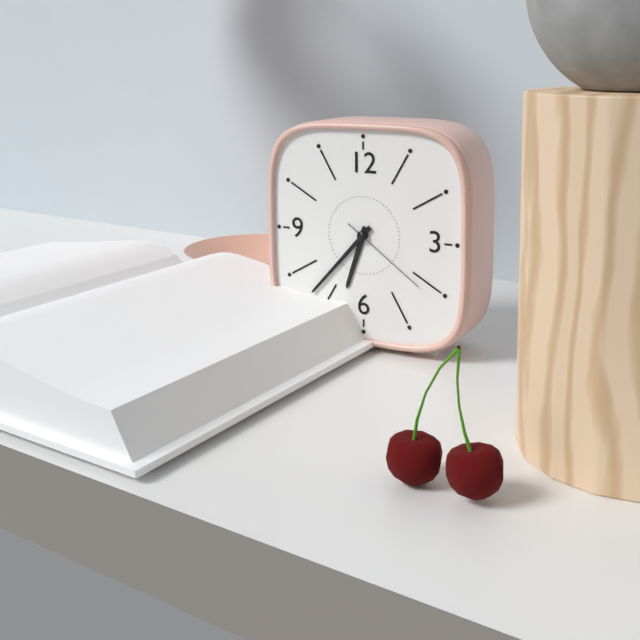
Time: {"hour": 6, "minute": 37, "second": 21}
